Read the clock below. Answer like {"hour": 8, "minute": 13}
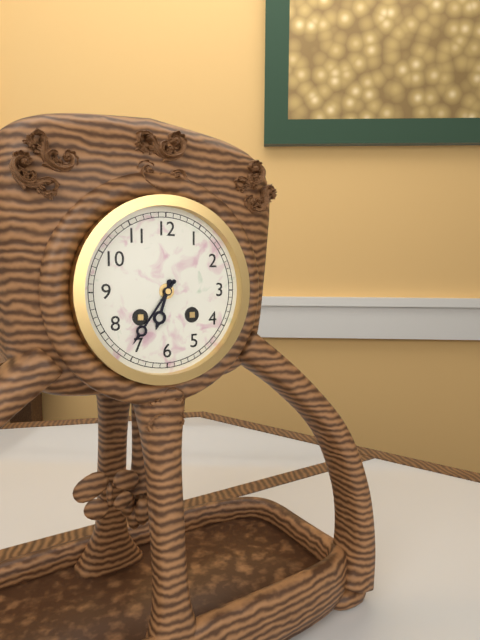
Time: {"hour": 6, "minute": 36}
